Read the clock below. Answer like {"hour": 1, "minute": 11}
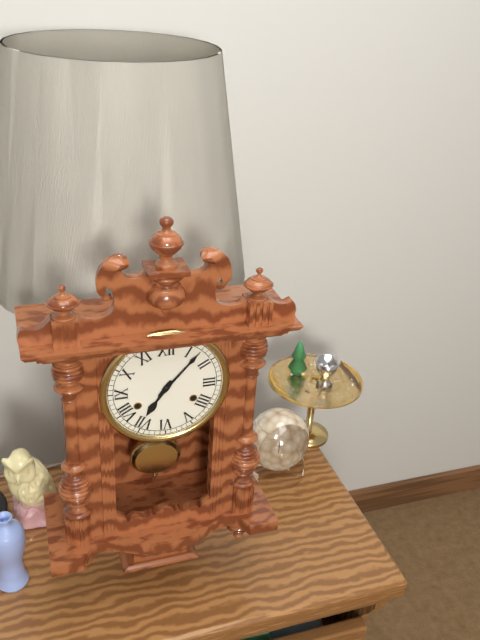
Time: {"hour": 7, "minute": 7}
